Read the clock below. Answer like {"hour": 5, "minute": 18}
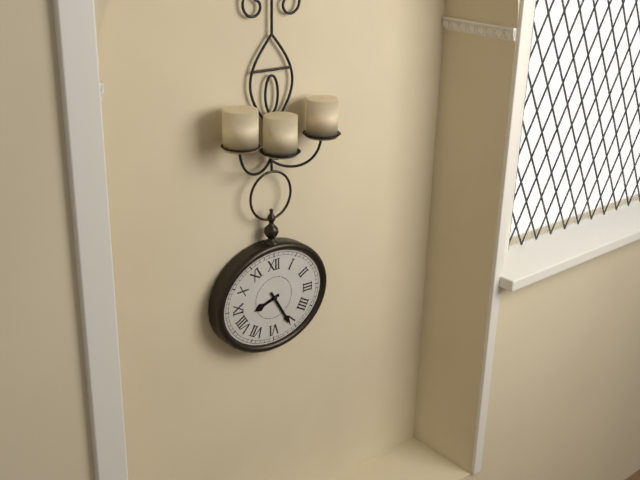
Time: {"hour": 8, "minute": 25}
